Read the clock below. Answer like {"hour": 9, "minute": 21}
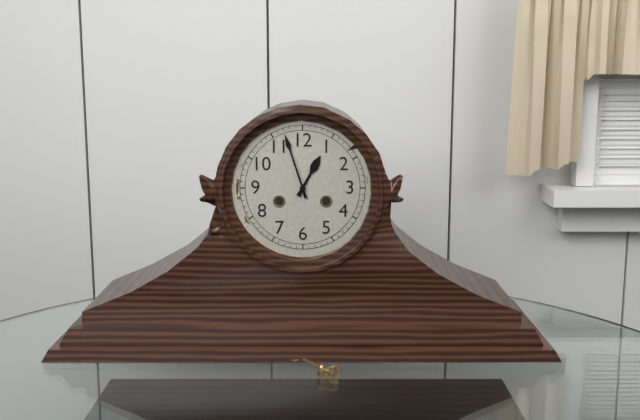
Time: {"hour": 12, "minute": 57}
